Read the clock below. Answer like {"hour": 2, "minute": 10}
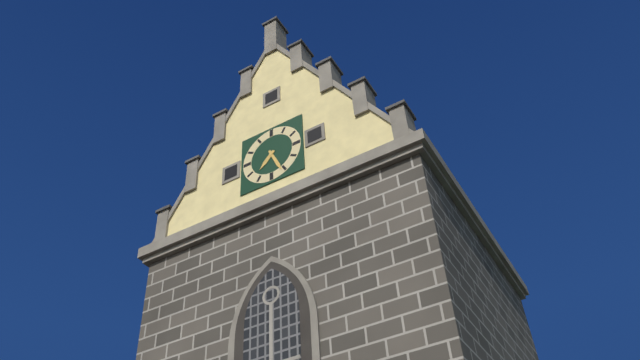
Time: {"hour": 7, "minute": 26}
